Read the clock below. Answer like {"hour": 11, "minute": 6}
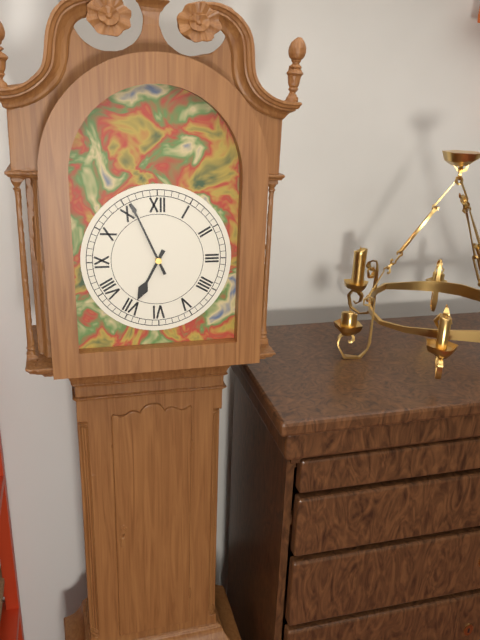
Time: {"hour": 6, "minute": 56}
